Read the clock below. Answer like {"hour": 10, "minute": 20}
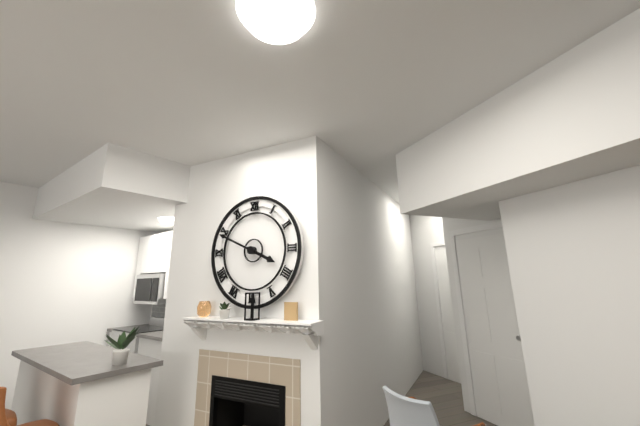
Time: {"hour": 3, "minute": 49}
